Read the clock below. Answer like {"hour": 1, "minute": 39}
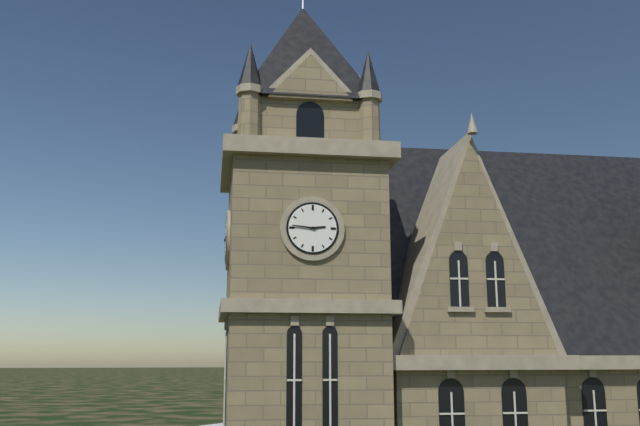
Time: {"hour": 2, "minute": 46}
